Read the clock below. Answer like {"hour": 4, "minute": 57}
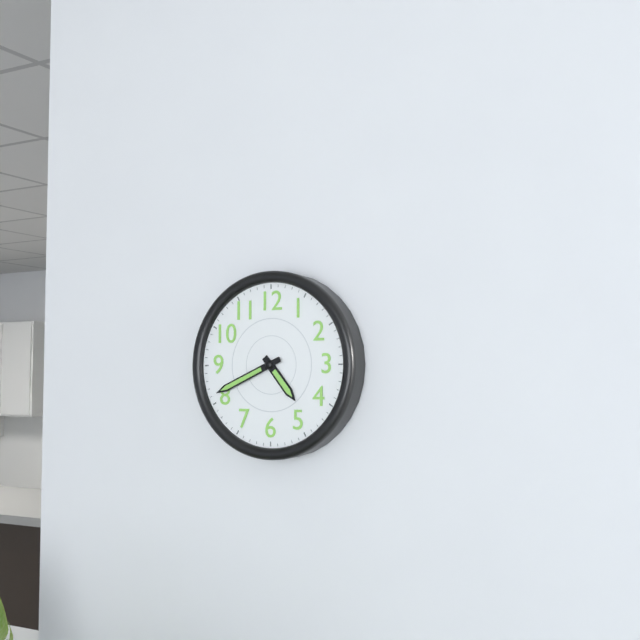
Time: {"hour": 4, "minute": 41}
